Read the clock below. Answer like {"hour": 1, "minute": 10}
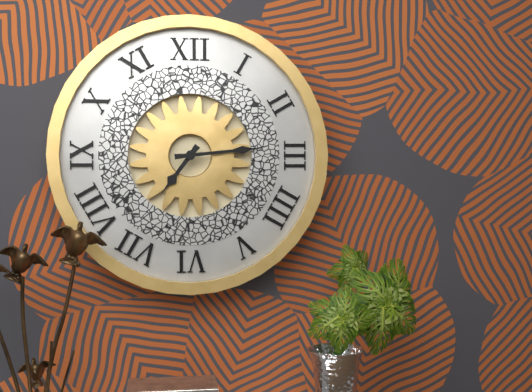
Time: {"hour": 7, "minute": 14}
